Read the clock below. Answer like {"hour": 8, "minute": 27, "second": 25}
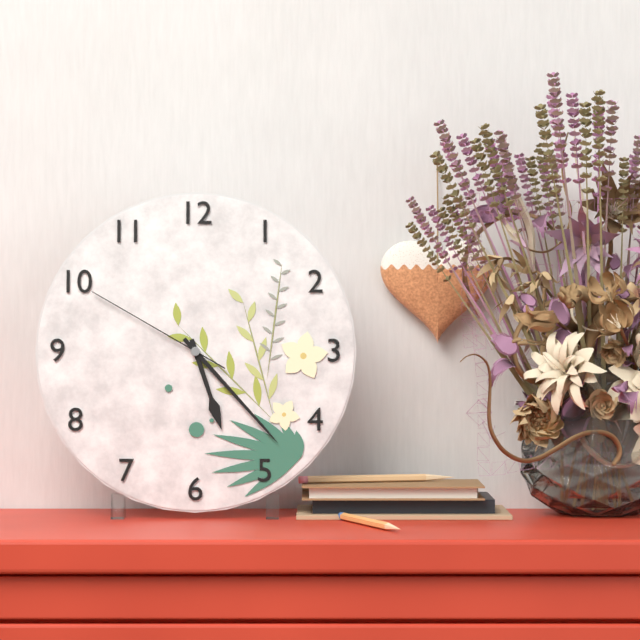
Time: {"hour": 5, "minute": 23, "second": 50}
